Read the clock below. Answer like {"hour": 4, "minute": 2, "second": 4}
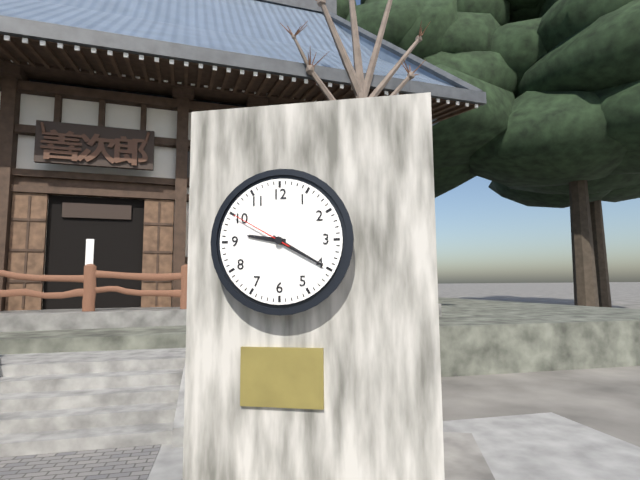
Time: {"hour": 9, "minute": 20, "second": 50}
